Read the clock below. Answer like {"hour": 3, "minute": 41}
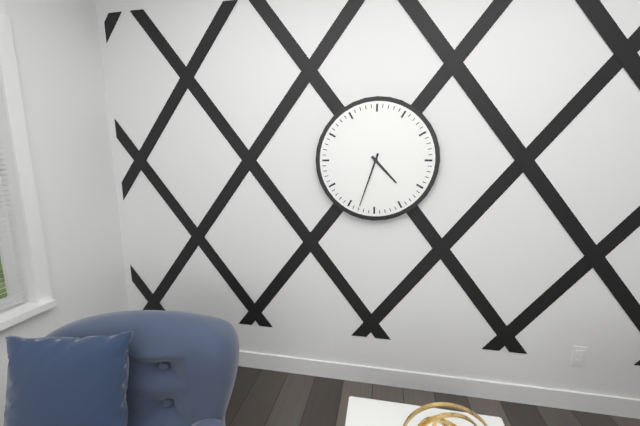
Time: {"hour": 4, "minute": 33}
